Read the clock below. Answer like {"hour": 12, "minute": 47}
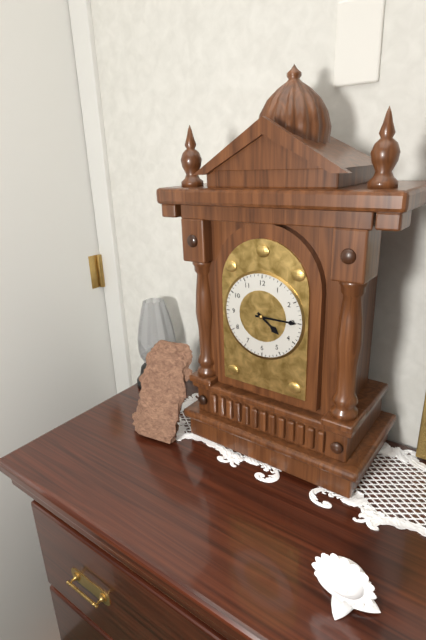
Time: {"hour": 4, "minute": 15}
